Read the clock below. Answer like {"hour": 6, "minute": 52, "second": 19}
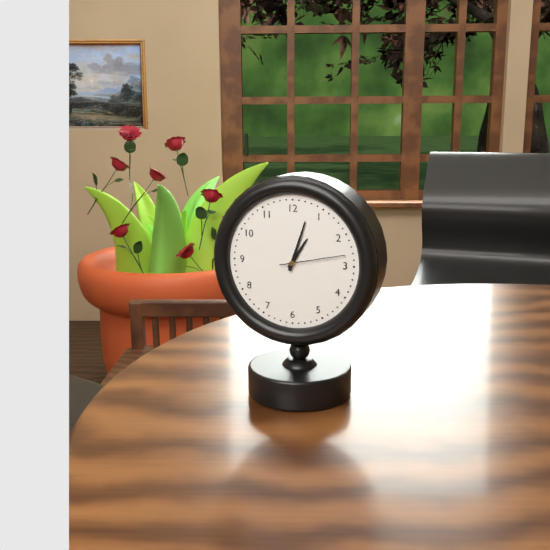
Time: {"hour": 1, "minute": 3, "second": 13}
